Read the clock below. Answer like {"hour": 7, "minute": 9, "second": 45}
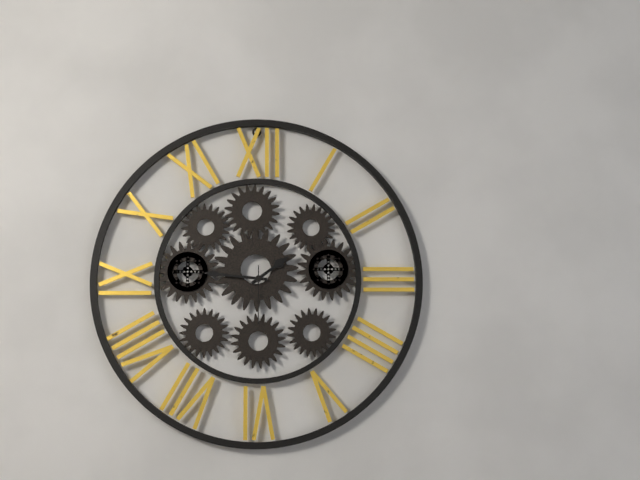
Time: {"hour": 1, "minute": 46, "second": 30}
